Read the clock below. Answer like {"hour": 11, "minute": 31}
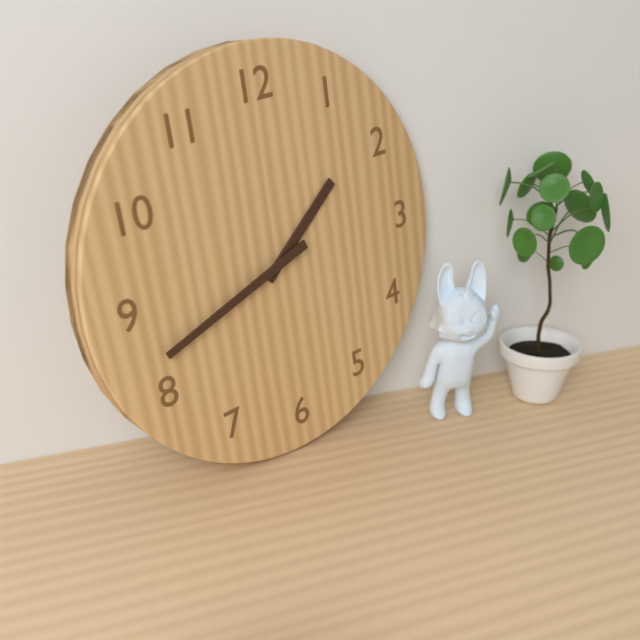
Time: {"hour": 1, "minute": 42}
